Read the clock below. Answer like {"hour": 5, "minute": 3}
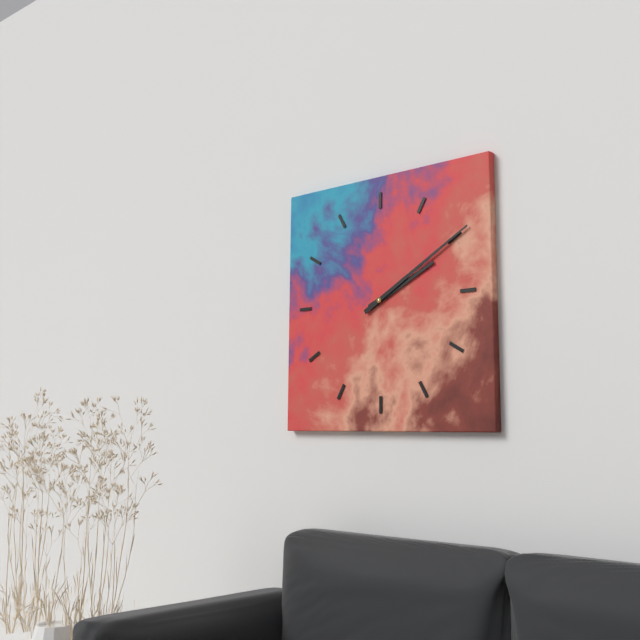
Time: {"hour": 2, "minute": 10}
